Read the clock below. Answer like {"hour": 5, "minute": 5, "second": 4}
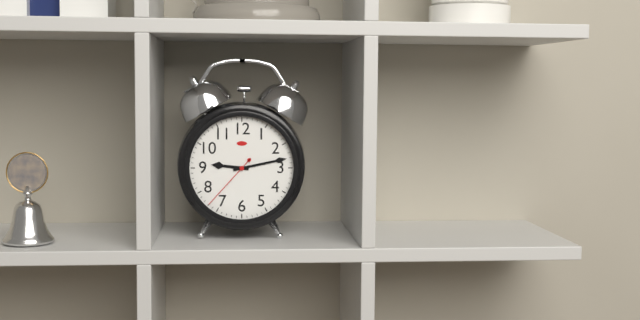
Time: {"hour": 9, "minute": 13, "second": 37}
